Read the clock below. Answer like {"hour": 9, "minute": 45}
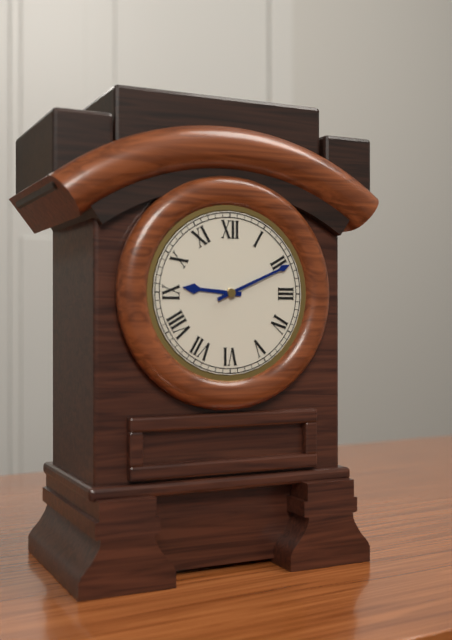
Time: {"hour": 9, "minute": 11}
